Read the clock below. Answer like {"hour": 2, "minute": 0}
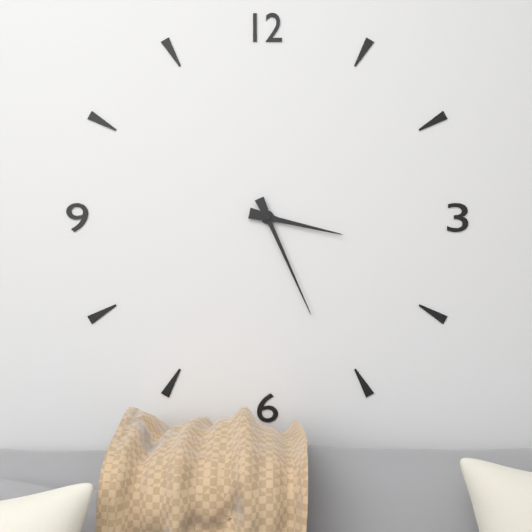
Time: {"hour": 3, "minute": 26}
